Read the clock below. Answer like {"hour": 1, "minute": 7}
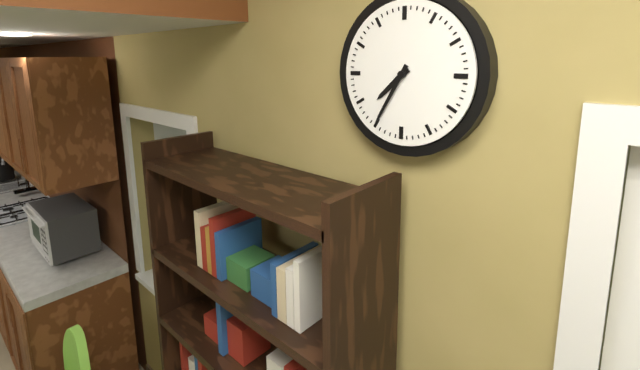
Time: {"hour": 7, "minute": 35}
